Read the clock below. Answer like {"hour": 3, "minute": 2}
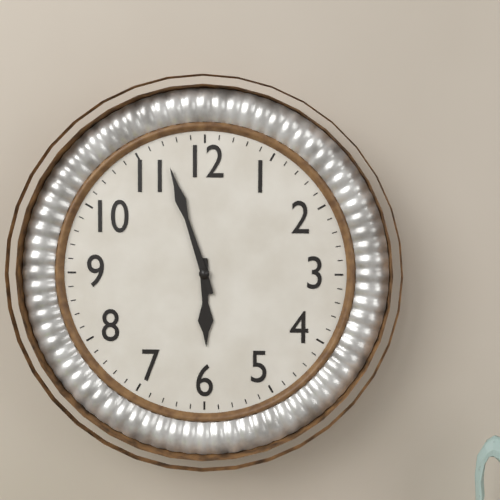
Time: {"hour": 5, "minute": 57}
